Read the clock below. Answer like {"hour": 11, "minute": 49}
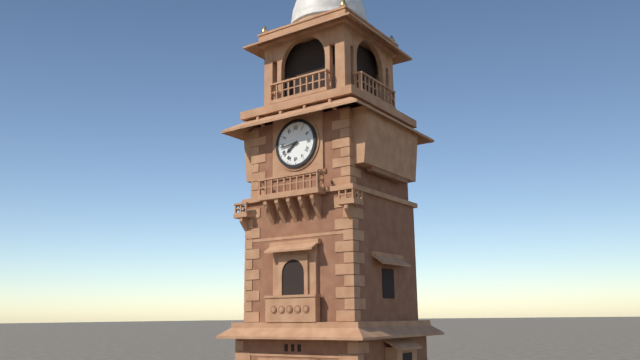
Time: {"hour": 7, "minute": 44}
